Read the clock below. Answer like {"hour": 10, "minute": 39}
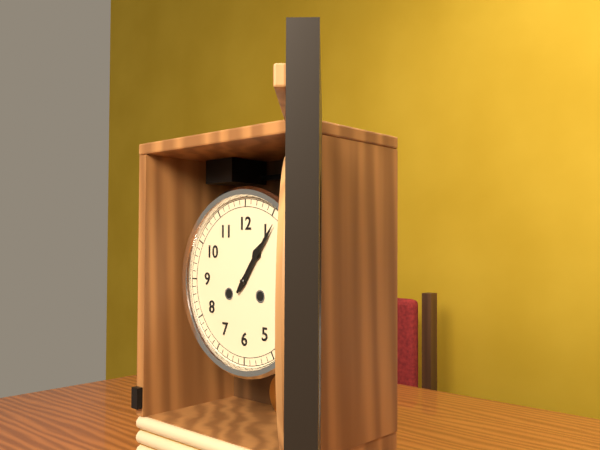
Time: {"hour": 1, "minute": 6}
